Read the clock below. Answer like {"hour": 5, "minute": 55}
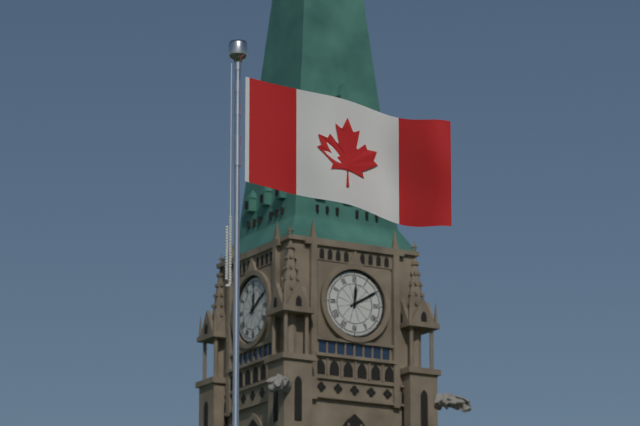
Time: {"hour": 12, "minute": 10}
